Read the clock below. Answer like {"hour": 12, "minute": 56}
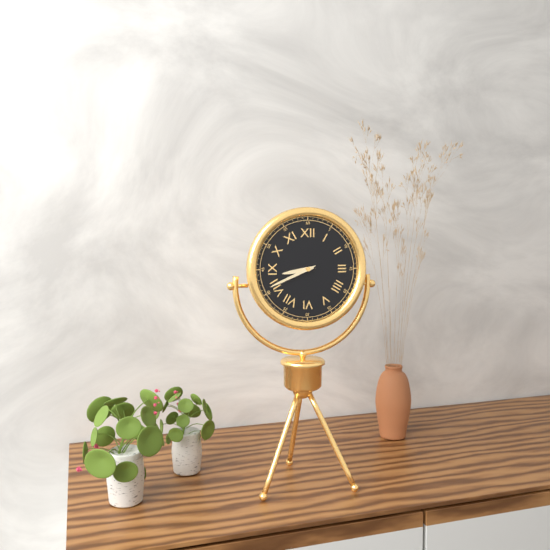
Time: {"hour": 8, "minute": 41}
